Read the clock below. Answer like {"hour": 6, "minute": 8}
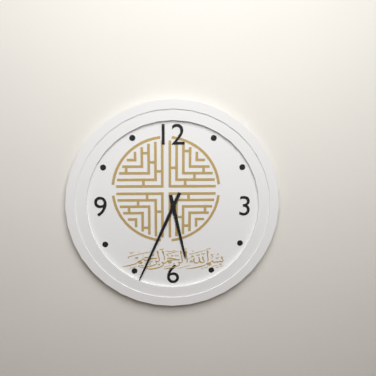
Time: {"hour": 5, "minute": 34}
